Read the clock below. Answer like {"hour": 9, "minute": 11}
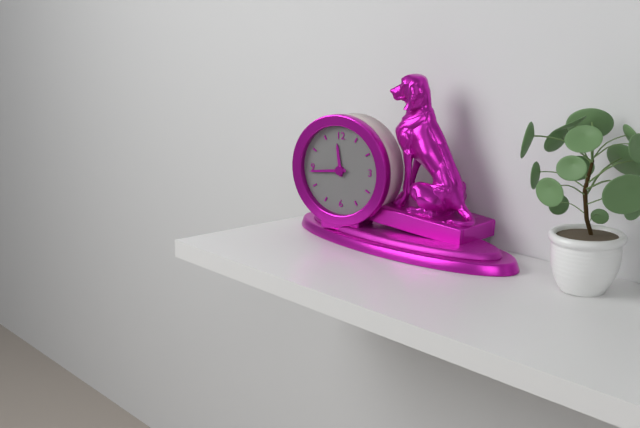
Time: {"hour": 11, "minute": 44}
